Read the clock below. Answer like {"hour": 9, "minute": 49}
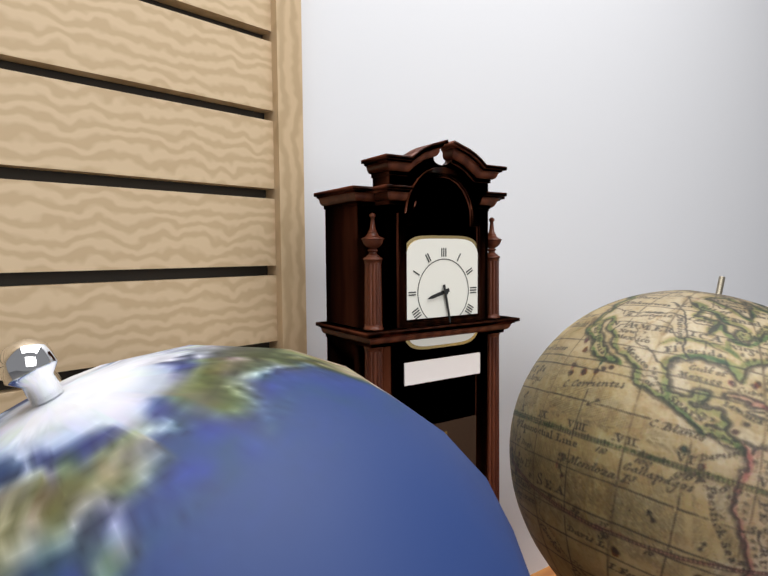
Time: {"hour": 8, "minute": 28}
